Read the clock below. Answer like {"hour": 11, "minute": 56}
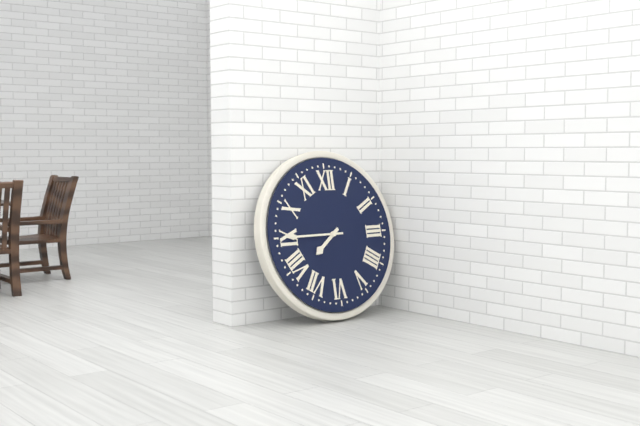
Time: {"hour": 7, "minute": 45}
